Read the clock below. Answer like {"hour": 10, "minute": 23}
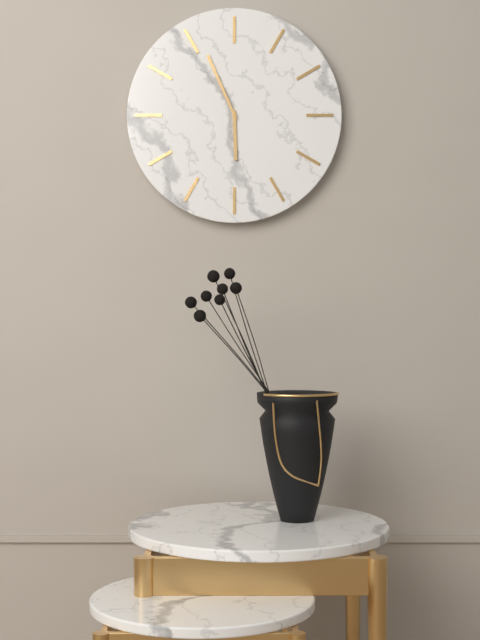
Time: {"hour": 5, "minute": 56}
